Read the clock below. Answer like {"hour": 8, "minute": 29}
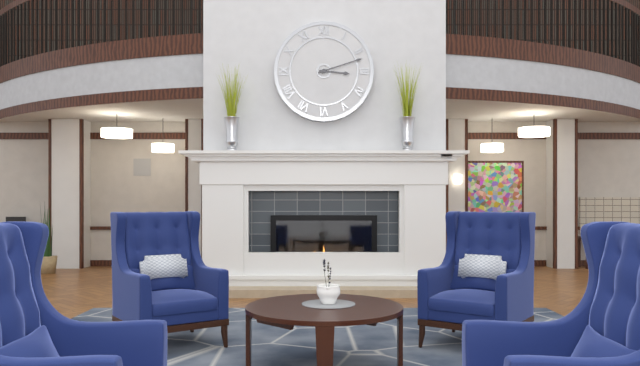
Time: {"hour": 3, "minute": 12}
